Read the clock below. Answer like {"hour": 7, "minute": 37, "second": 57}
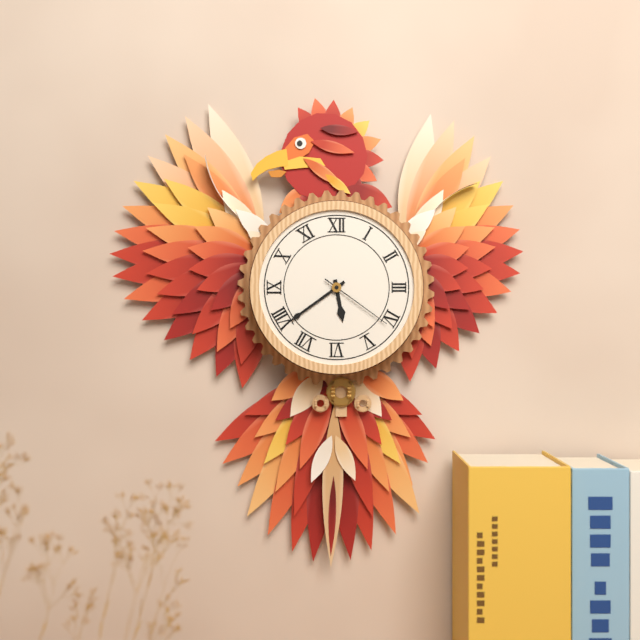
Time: {"hour": 5, "minute": 39, "second": 21}
